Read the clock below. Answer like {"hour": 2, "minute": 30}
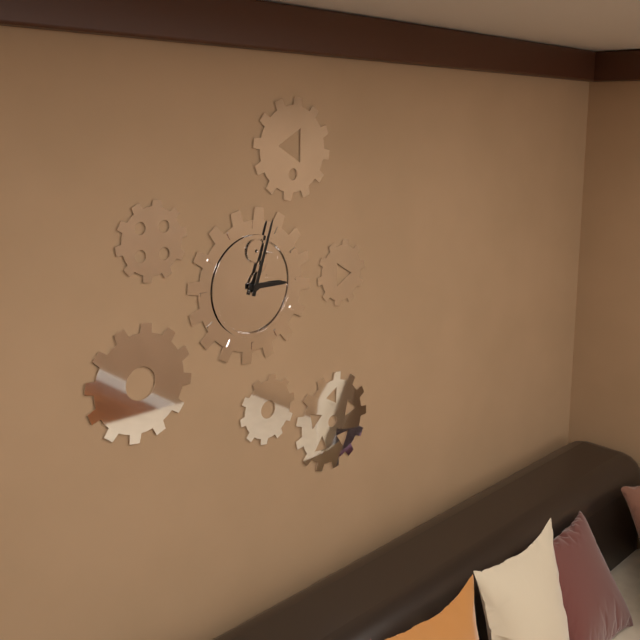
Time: {"hour": 3, "minute": 3}
